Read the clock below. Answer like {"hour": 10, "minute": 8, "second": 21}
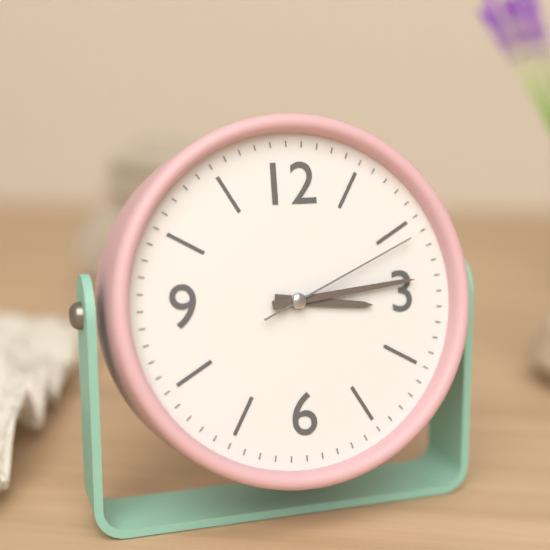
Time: {"hour": 3, "minute": 14, "second": 11}
